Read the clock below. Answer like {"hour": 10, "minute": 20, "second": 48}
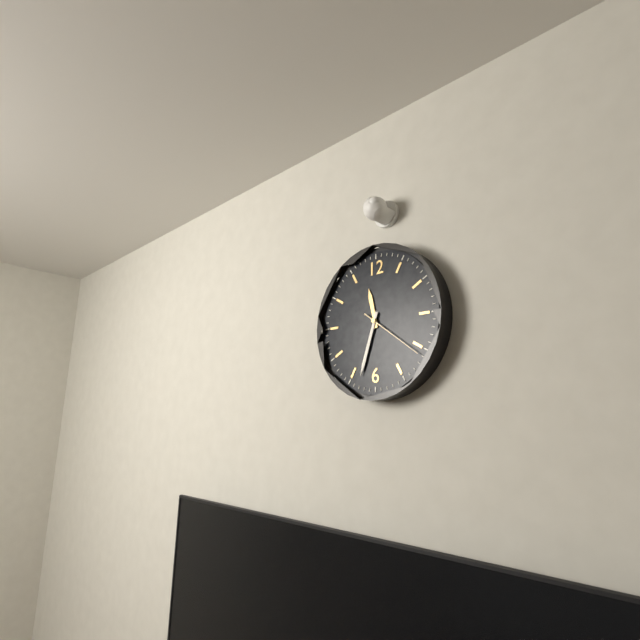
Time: {"hour": 11, "minute": 33, "second": 21}
